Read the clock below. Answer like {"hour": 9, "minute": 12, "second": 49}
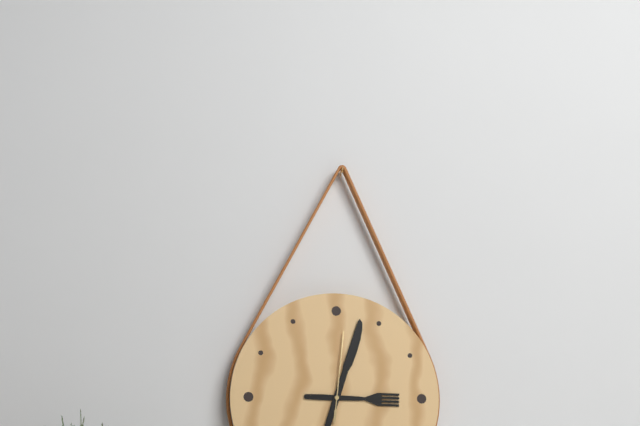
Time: {"hour": 3, "minute": 3, "second": 1}
